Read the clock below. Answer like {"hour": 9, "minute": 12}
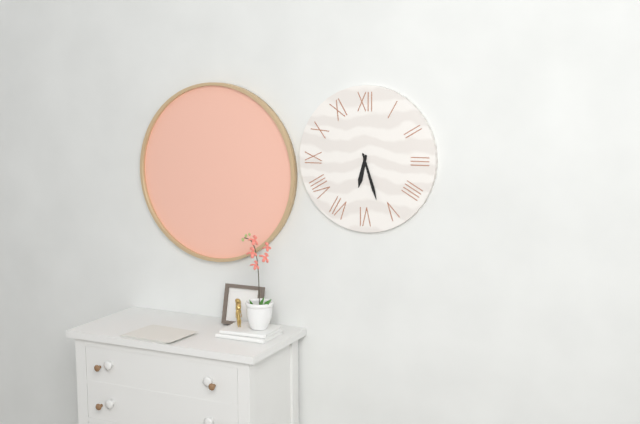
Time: {"hour": 6, "minute": 27}
